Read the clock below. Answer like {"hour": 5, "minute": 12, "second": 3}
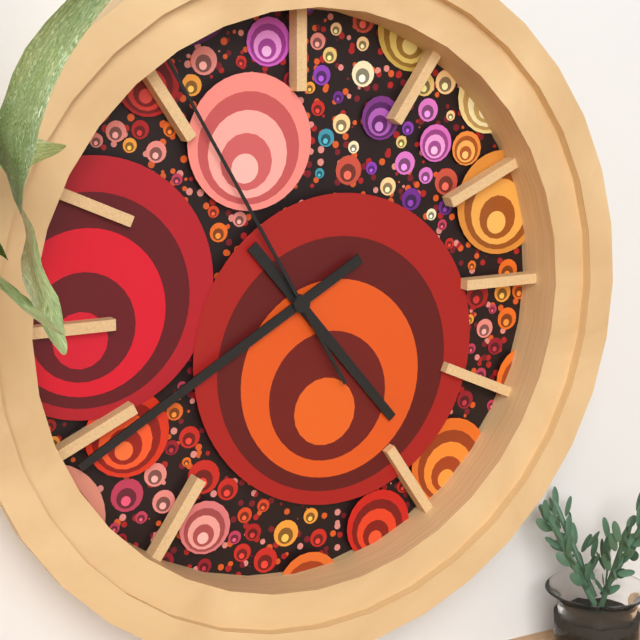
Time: {"hour": 4, "minute": 40, "second": 55}
